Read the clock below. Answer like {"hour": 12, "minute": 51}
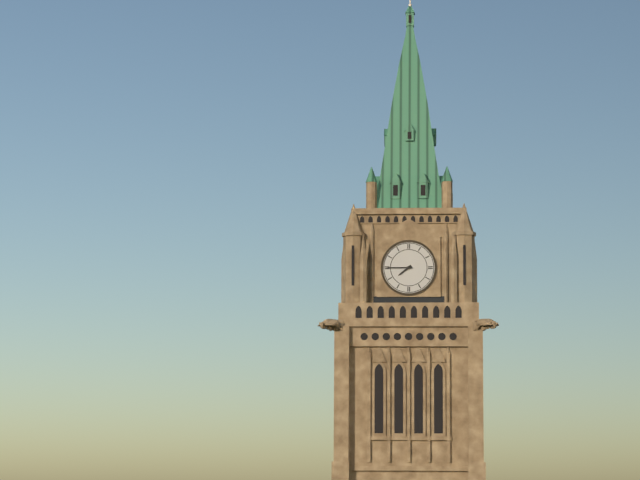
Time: {"hour": 7, "minute": 45}
